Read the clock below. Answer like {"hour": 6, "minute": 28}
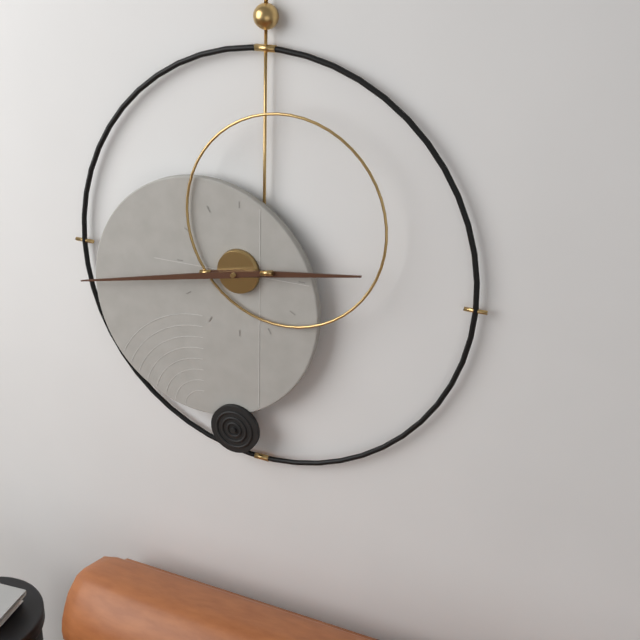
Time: {"hour": 2, "minute": 43}
